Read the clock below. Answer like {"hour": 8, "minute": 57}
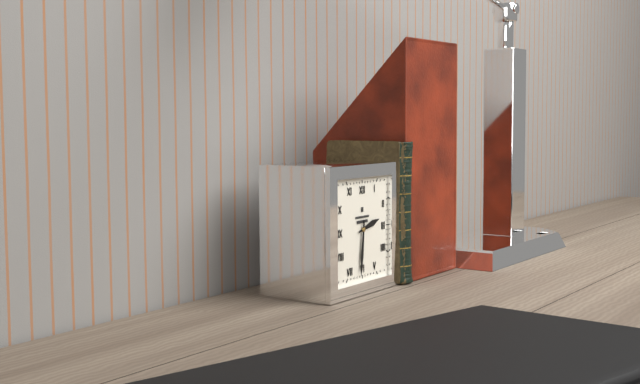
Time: {"hour": 2, "minute": 31}
